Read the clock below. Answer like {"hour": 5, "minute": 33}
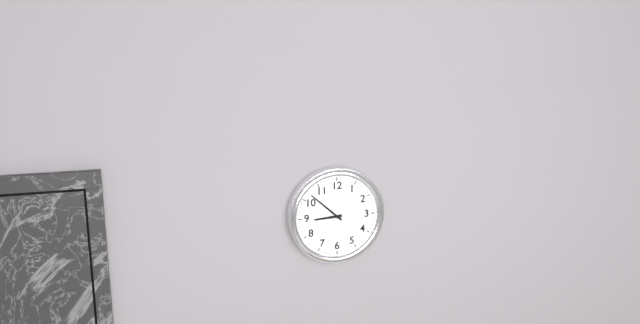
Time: {"hour": 8, "minute": 52}
